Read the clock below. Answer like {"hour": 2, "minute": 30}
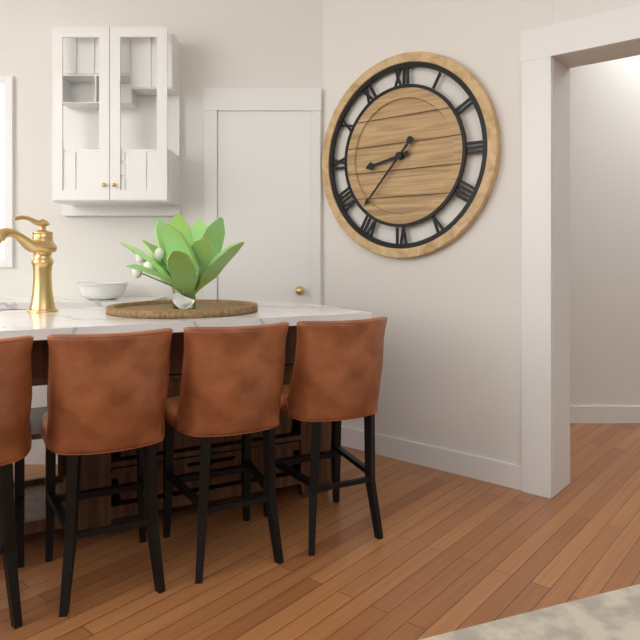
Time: {"hour": 8, "minute": 37}
